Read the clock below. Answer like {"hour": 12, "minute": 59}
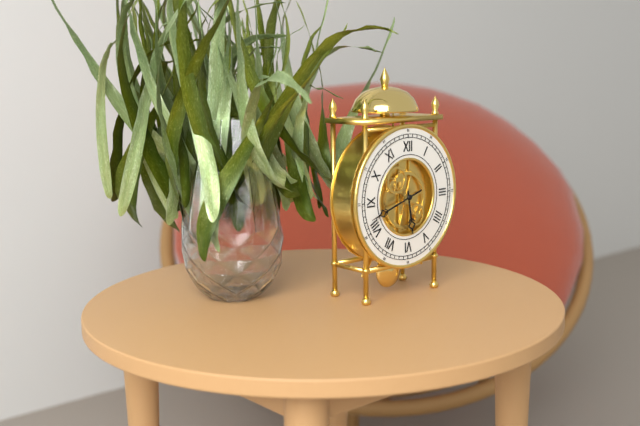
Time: {"hour": 5, "minute": 42}
